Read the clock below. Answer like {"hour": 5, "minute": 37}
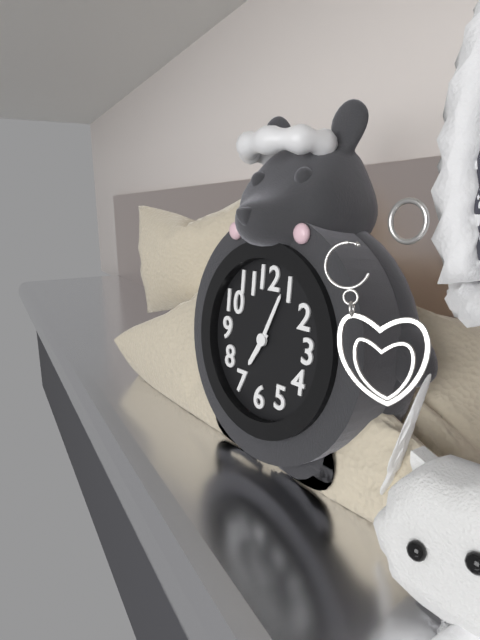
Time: {"hour": 7, "minute": 4}
